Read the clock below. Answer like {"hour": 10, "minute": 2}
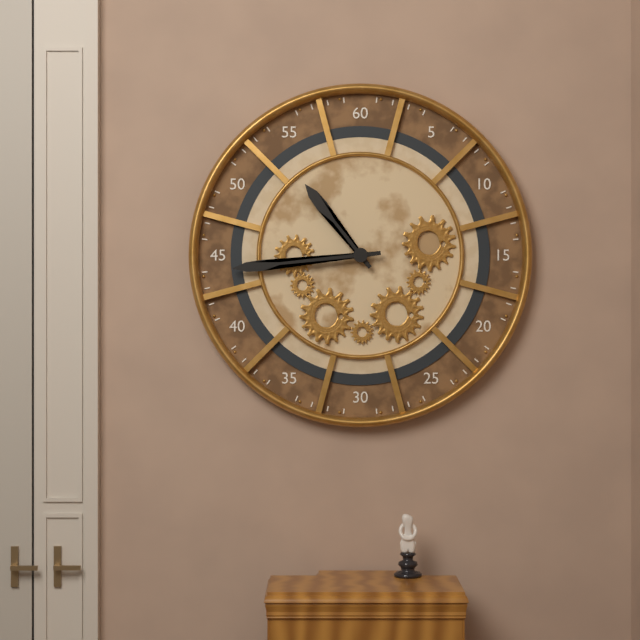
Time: {"hour": 10, "minute": 44}
